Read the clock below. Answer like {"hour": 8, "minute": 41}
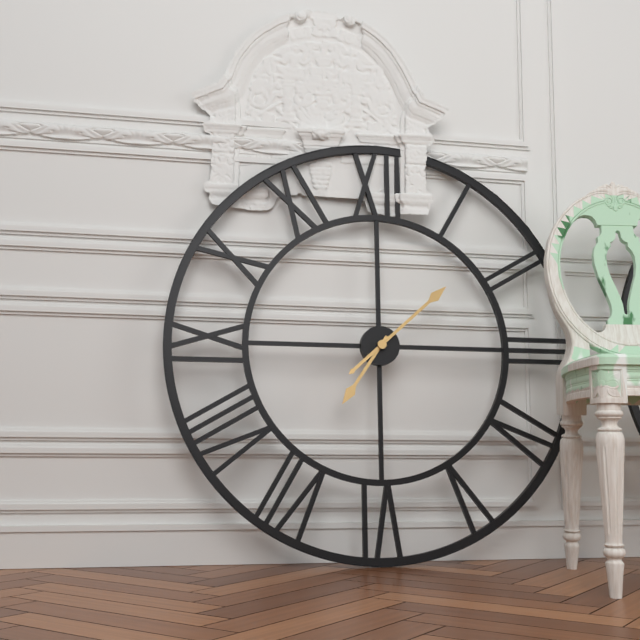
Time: {"hour": 7, "minute": 8}
